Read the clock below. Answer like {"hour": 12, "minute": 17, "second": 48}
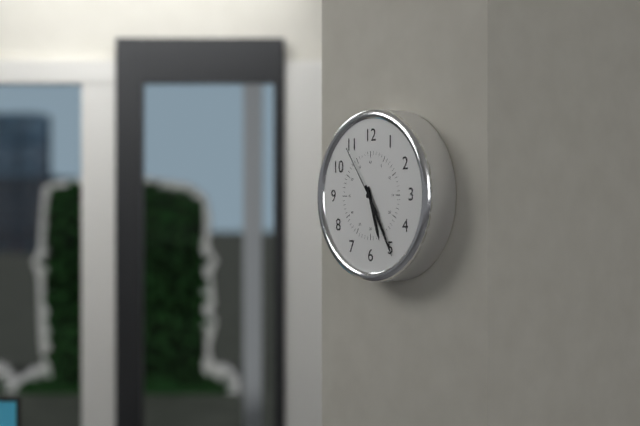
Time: {"hour": 5, "minute": 25, "second": 54}
